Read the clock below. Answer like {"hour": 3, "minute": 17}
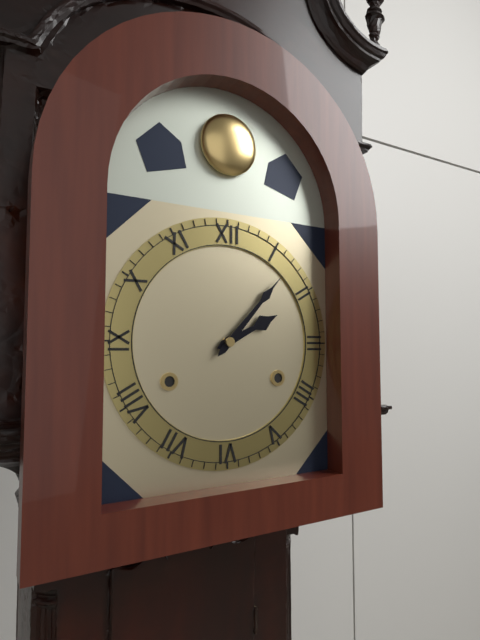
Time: {"hour": 2, "minute": 7}
